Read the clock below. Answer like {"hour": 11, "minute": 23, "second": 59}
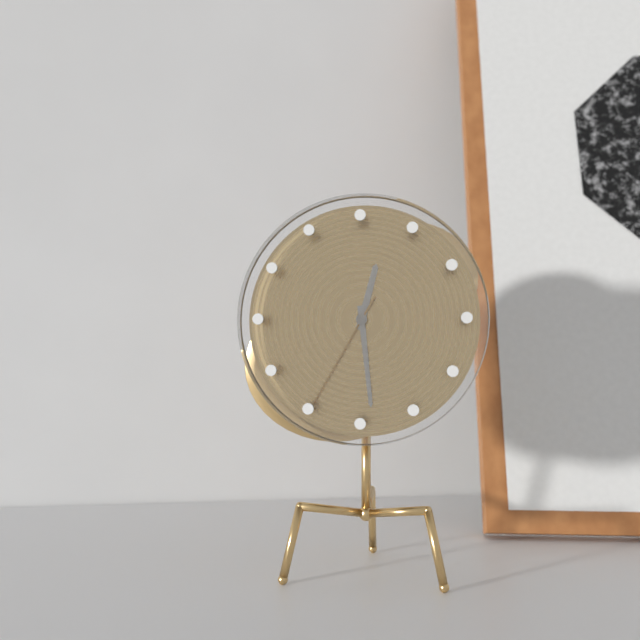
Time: {"hour": 12, "minute": 29, "second": 35}
